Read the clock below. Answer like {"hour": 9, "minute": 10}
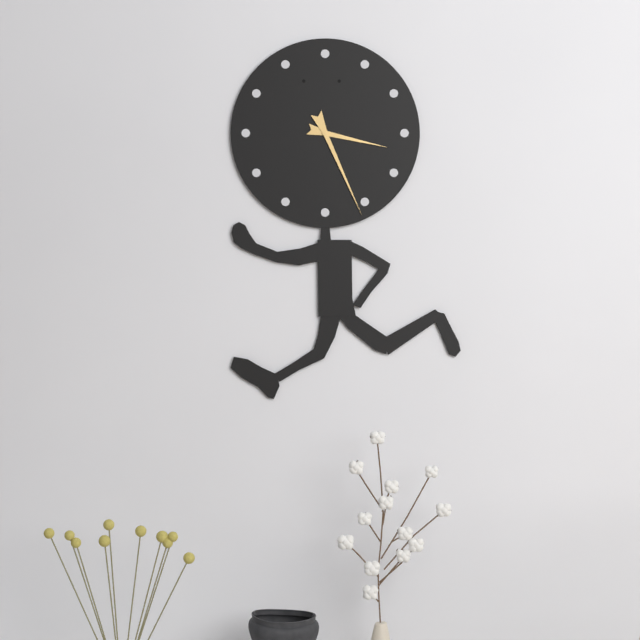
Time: {"hour": 3, "minute": 26}
